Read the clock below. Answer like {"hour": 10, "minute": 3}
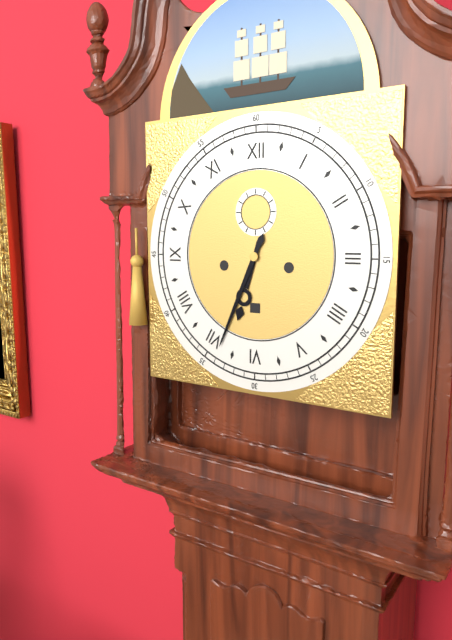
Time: {"hour": 6, "minute": 34}
